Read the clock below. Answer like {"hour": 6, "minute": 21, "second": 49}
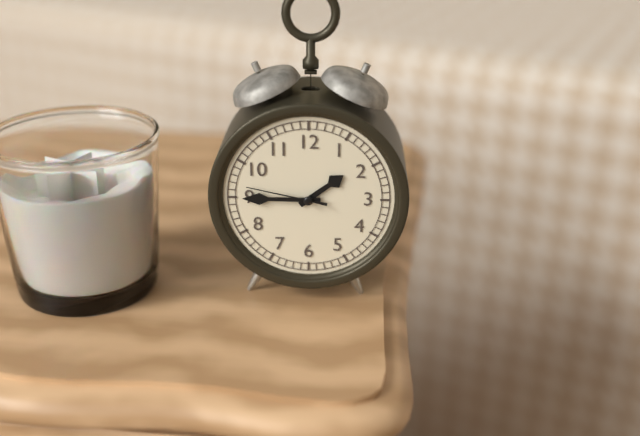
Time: {"hour": 1, "minute": 45, "second": 47}
